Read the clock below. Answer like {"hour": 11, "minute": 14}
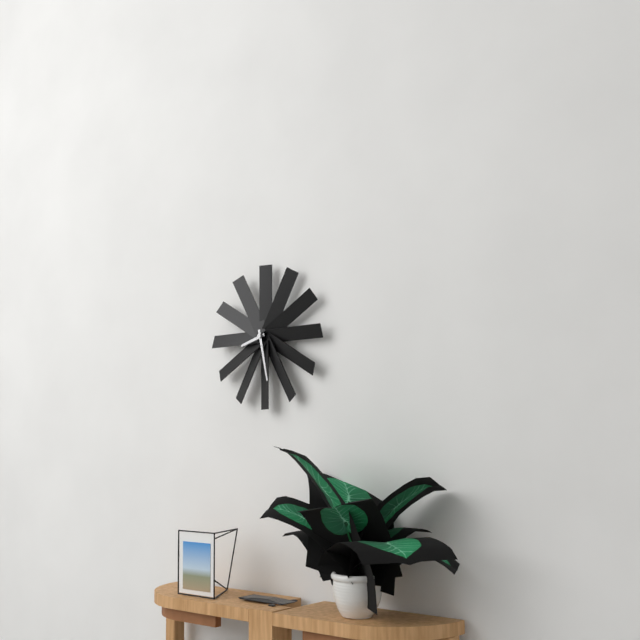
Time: {"hour": 8, "minute": 28}
